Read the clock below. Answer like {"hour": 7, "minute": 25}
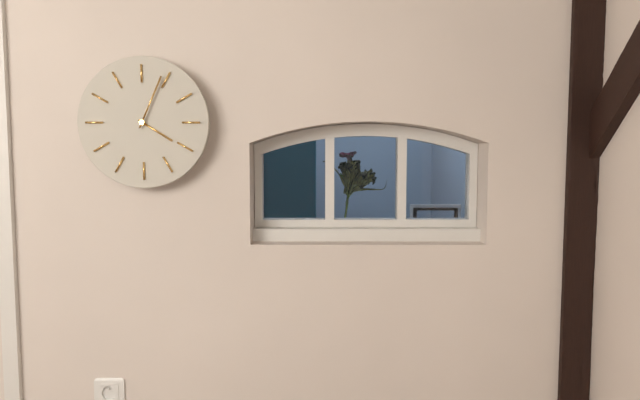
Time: {"hour": 4, "minute": 4}
